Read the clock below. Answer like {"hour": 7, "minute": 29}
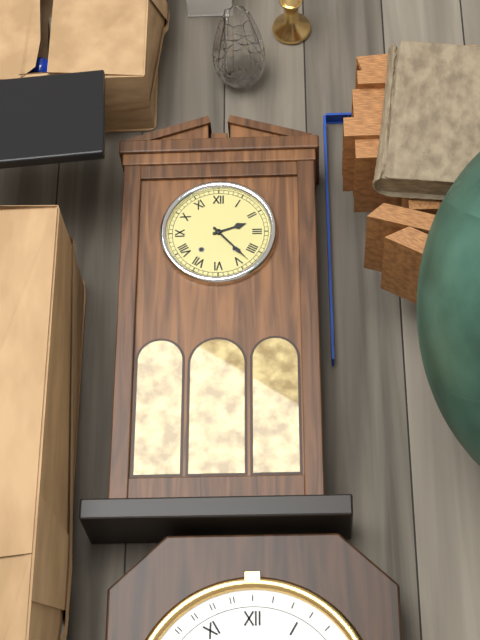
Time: {"hour": 2, "minute": 23}
